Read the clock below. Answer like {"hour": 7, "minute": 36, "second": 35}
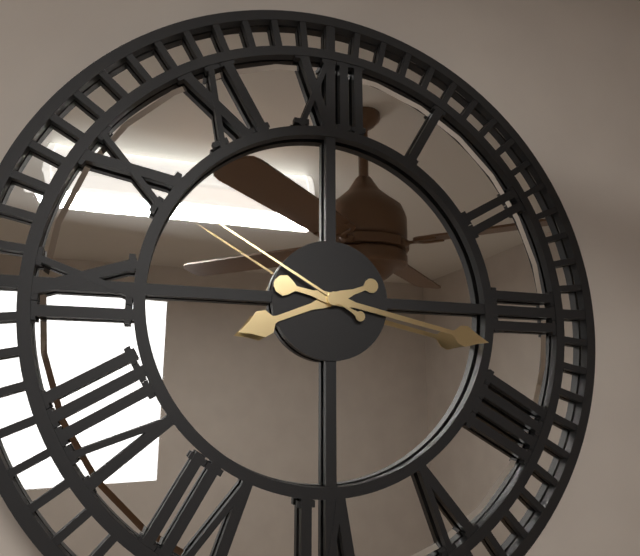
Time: {"hour": 8, "minute": 17, "second": 50}
